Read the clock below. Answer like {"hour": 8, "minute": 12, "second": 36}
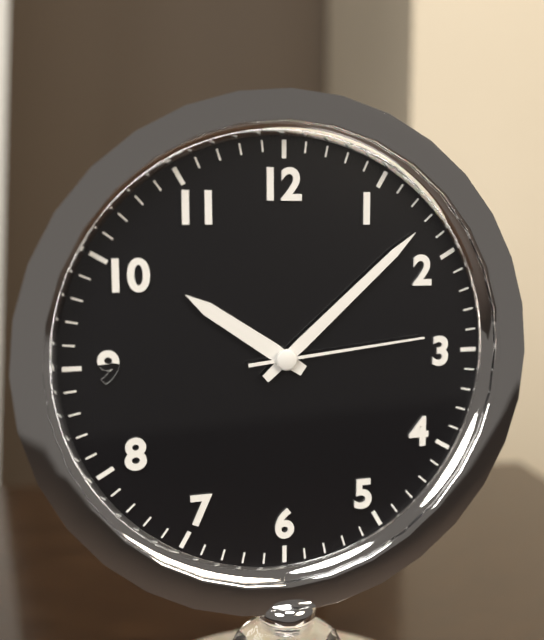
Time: {"hour": 10, "minute": 8, "second": 14}
